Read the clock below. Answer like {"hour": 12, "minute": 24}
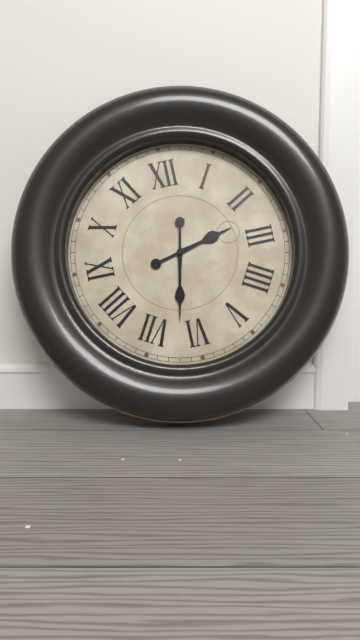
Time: {"hour": 2, "minute": 32}
